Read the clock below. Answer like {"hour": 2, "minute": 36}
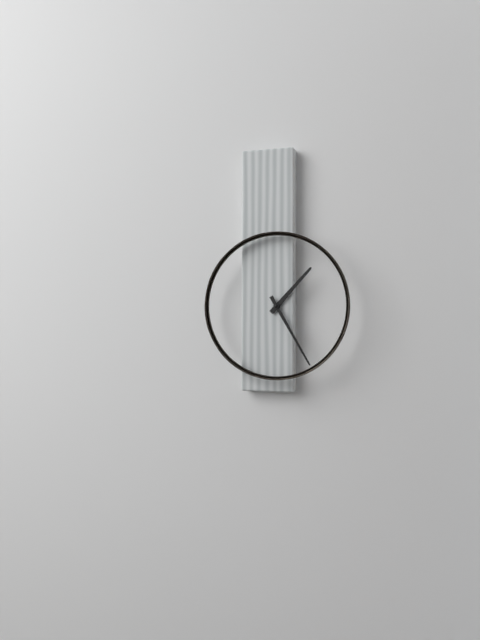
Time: {"hour": 1, "minute": 25}
